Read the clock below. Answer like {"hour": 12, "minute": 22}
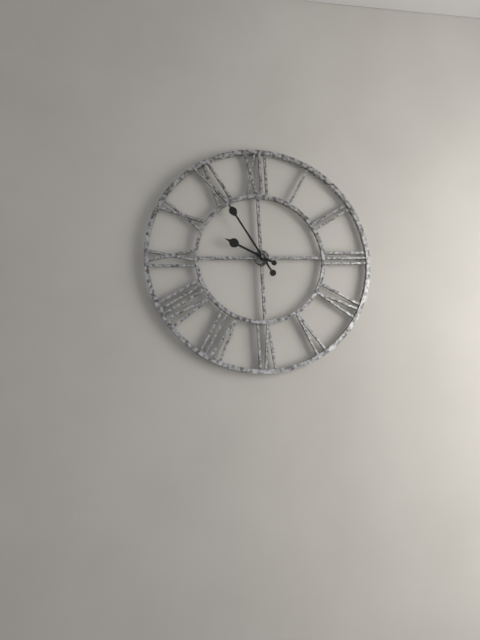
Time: {"hour": 9, "minute": 55}
